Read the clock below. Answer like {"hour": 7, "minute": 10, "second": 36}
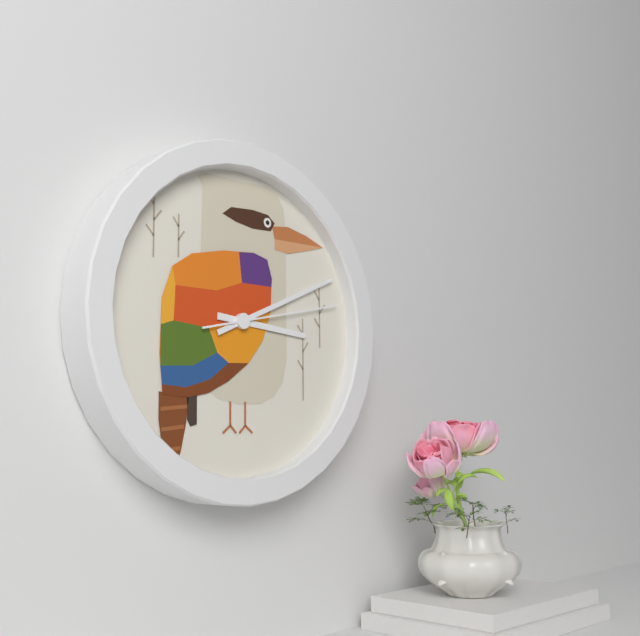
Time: {"hour": 3, "minute": 11, "second": 13}
